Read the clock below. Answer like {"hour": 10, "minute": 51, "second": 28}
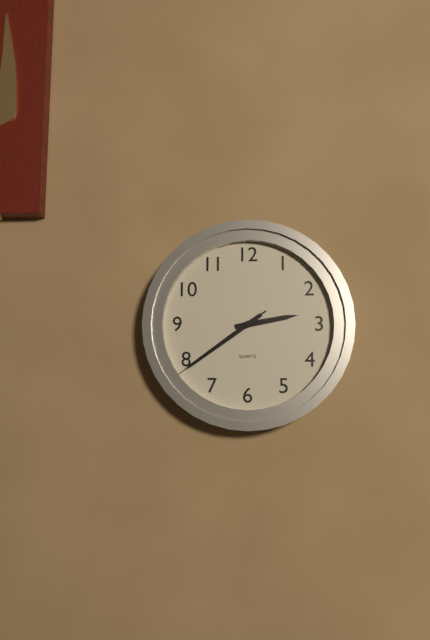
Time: {"hour": 2, "minute": 39, "second": 39}
